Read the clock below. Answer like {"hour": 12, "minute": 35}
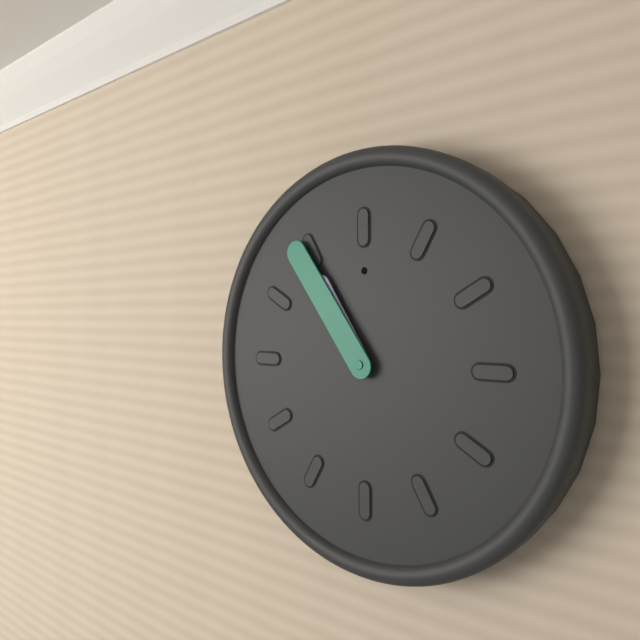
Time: {"hour": 10, "minute": 54}
